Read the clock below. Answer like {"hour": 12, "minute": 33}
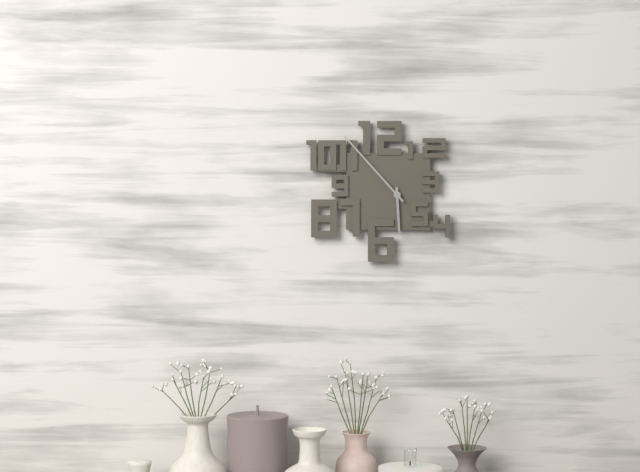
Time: {"hour": 5, "minute": 53}
